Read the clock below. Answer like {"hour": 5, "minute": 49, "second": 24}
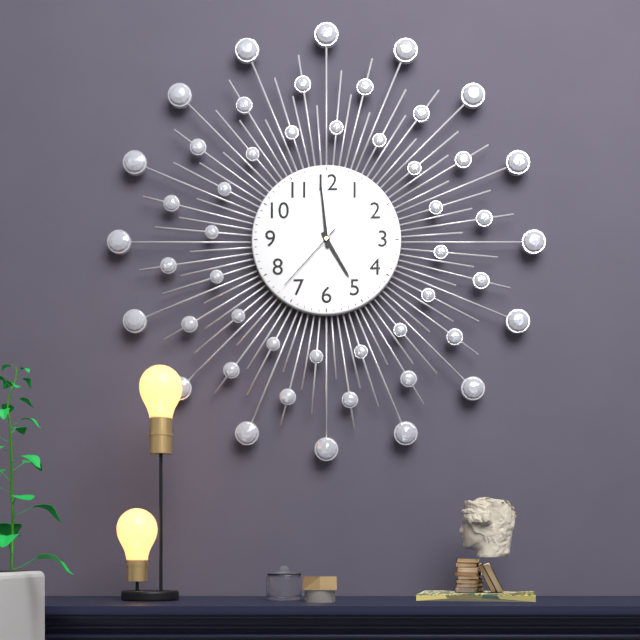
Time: {"hour": 4, "minute": 59, "second": 37}
